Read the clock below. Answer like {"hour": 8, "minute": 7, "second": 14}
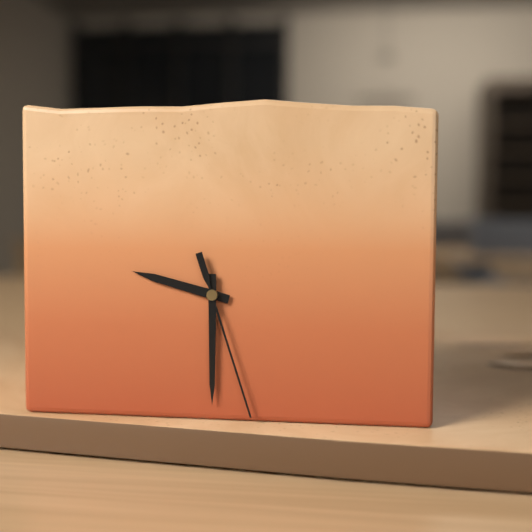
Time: {"hour": 9, "minute": 30, "second": 27}
